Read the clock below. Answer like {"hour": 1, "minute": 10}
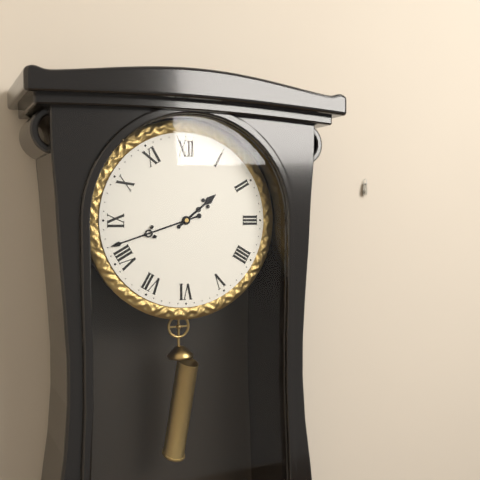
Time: {"hour": 1, "minute": 42}
